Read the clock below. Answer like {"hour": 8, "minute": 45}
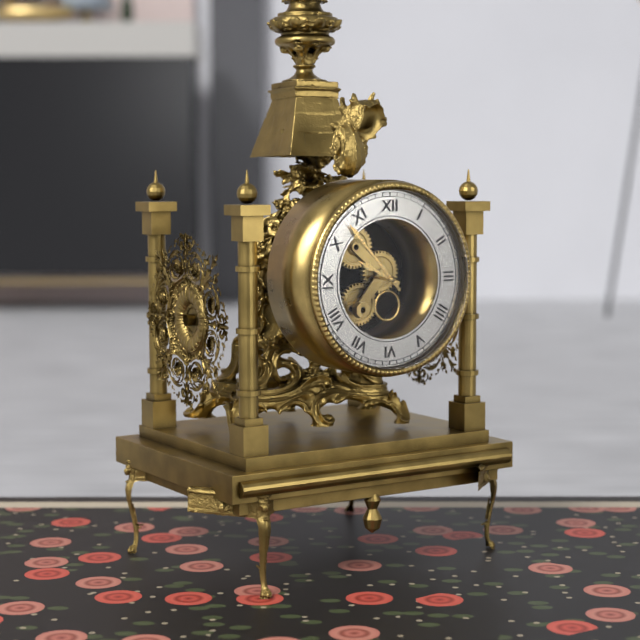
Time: {"hour": 9, "minute": 53}
